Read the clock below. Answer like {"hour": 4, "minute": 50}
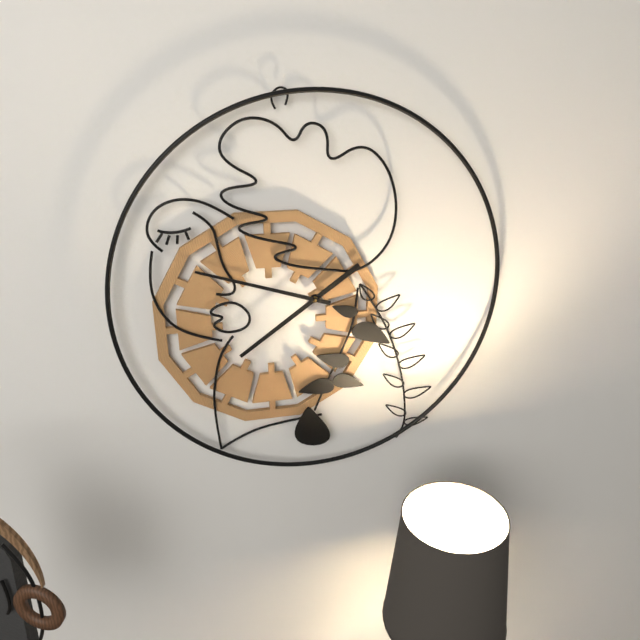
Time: {"hour": 7, "minute": 48}
